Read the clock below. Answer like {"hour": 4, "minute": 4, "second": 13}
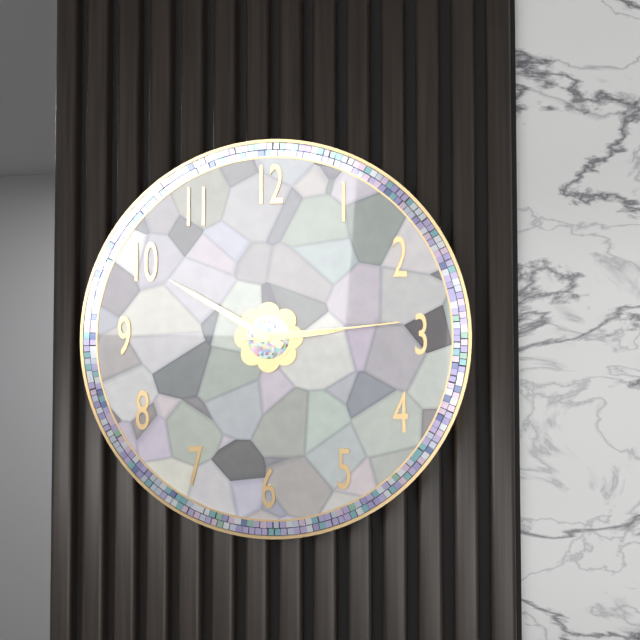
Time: {"hour": 2, "minute": 50, "second": 14}
